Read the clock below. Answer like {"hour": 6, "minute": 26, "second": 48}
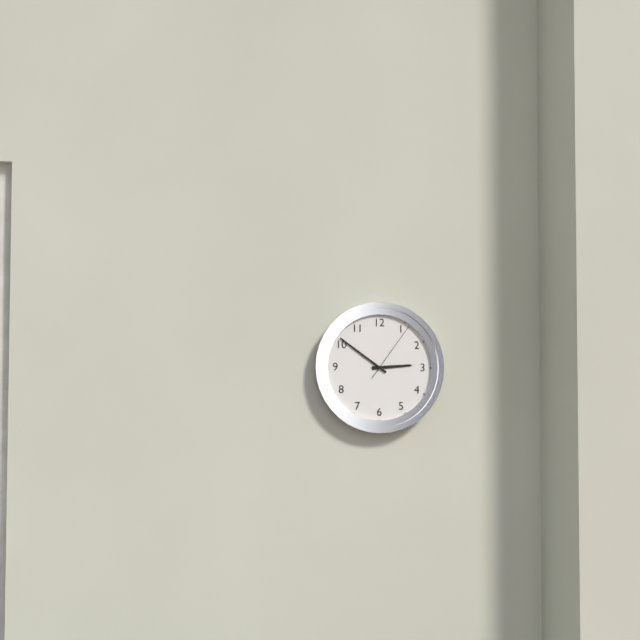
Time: {"hour": 2, "minute": 51, "second": 6}
